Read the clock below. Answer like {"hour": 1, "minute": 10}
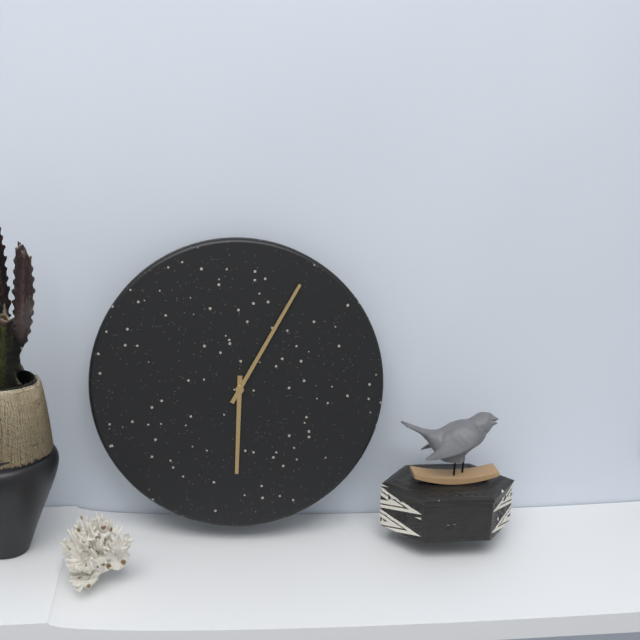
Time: {"hour": 6, "minute": 5}
